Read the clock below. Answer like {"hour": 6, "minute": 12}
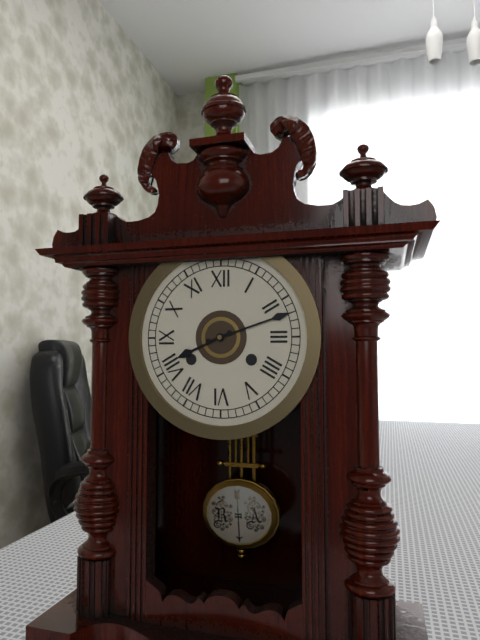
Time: {"hour": 8, "minute": 12}
